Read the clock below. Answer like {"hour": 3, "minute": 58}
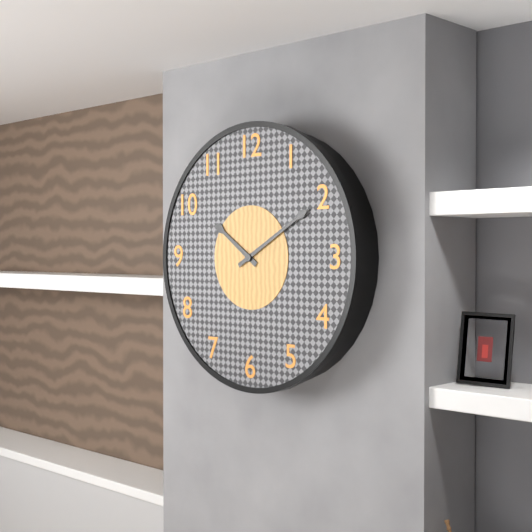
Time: {"hour": 10, "minute": 10}
